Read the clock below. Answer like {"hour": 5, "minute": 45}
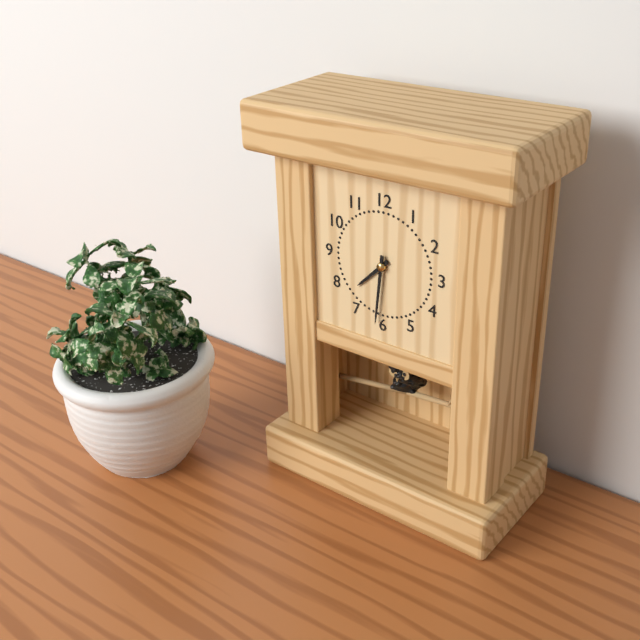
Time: {"hour": 7, "minute": 31}
